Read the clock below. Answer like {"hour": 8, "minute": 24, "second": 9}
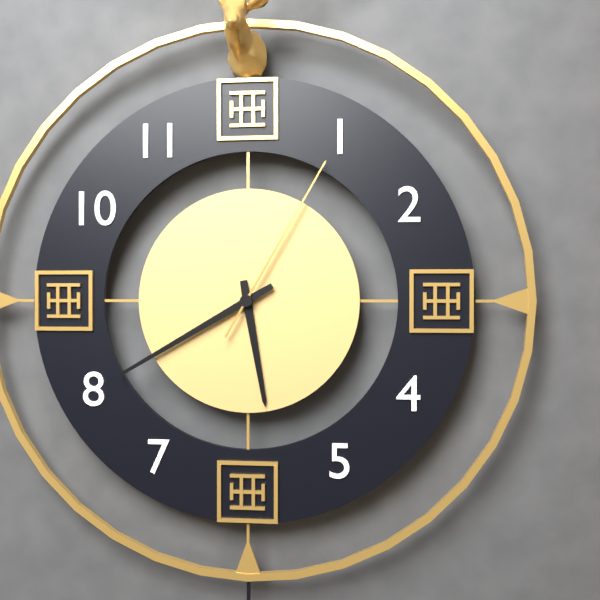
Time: {"hour": 5, "minute": 40, "second": 5}
